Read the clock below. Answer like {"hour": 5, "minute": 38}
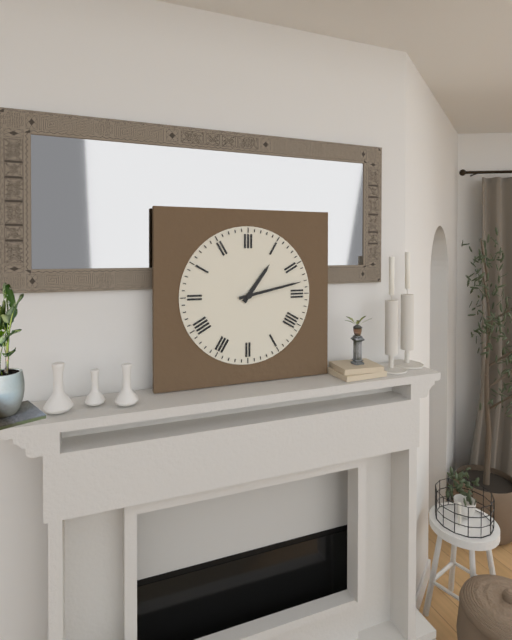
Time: {"hour": 1, "minute": 13}
